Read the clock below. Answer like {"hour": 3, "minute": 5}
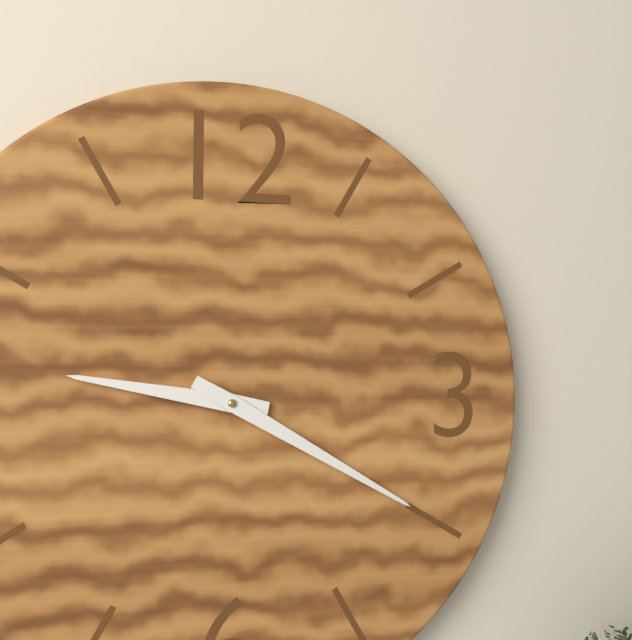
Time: {"hour": 9, "minute": 20}
